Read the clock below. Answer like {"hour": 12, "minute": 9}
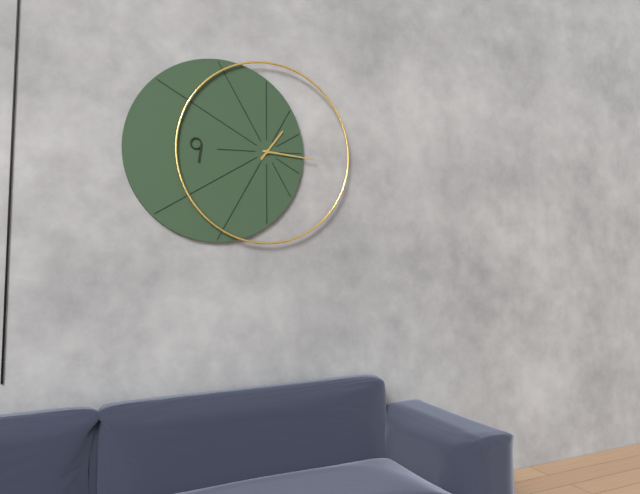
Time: {"hour": 1, "minute": 16}
